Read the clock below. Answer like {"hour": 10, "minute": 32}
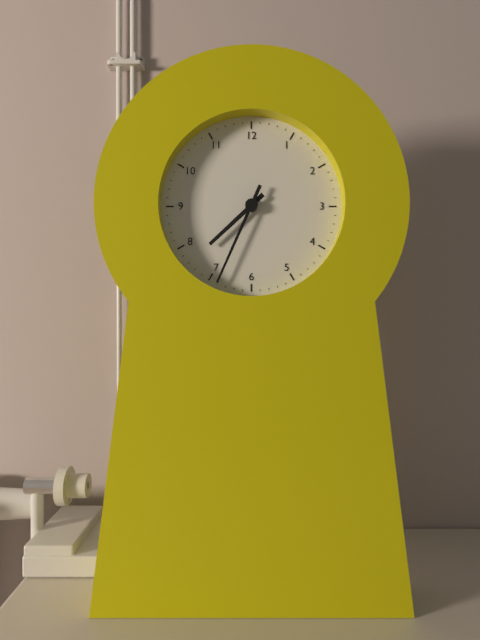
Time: {"hour": 7, "minute": 34}
